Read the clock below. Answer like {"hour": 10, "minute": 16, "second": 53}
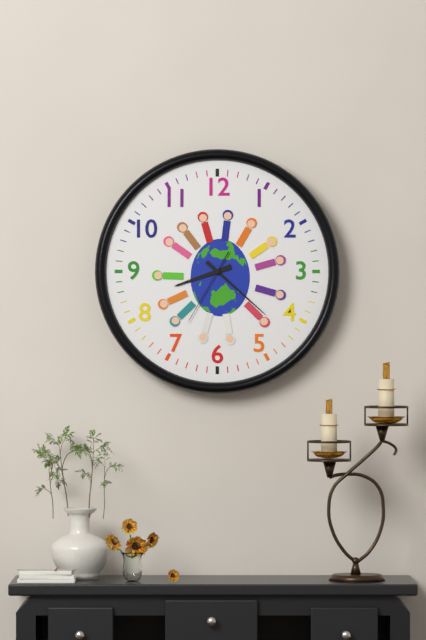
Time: {"hour": 8, "minute": 22, "second": 35}
